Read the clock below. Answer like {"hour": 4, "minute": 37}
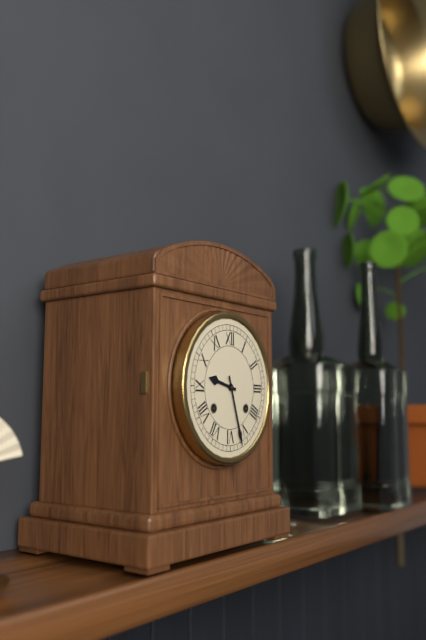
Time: {"hour": 9, "minute": 27}
